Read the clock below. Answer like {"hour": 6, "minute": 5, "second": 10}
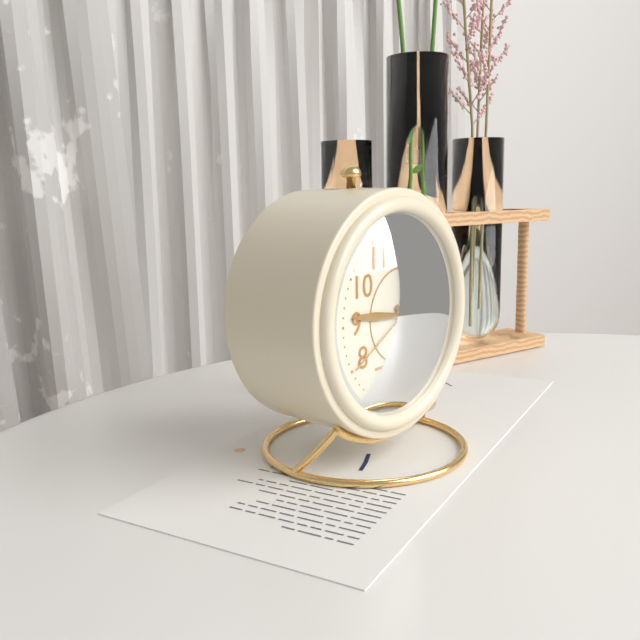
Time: {"hour": 4, "minute": 46, "second": 40}
